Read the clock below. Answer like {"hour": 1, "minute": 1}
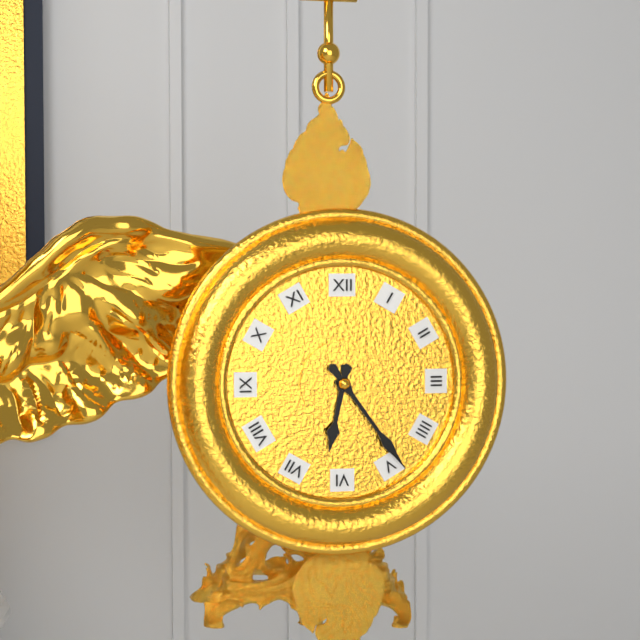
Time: {"hour": 6, "minute": 24}
